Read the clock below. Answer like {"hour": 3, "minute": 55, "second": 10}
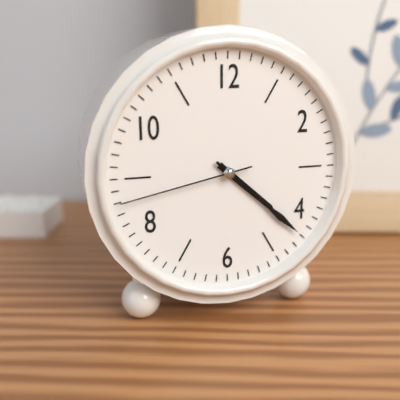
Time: {"hour": 4, "minute": 22, "second": 43}
